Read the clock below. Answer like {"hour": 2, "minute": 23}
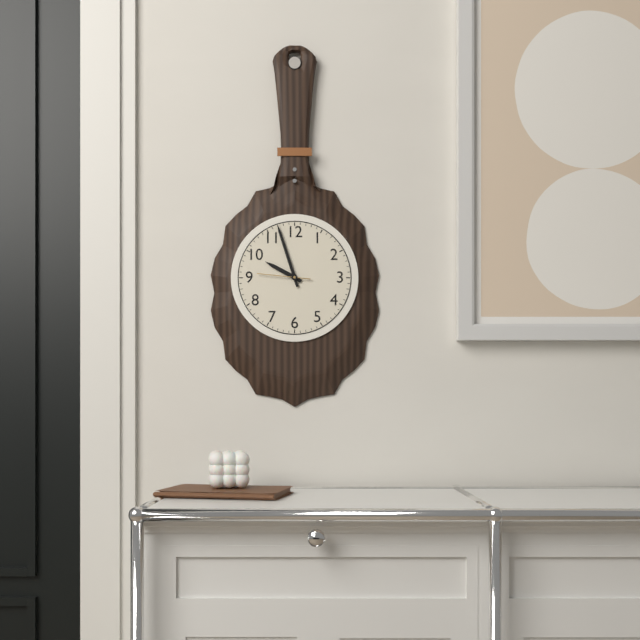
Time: {"hour": 9, "minute": 57}
